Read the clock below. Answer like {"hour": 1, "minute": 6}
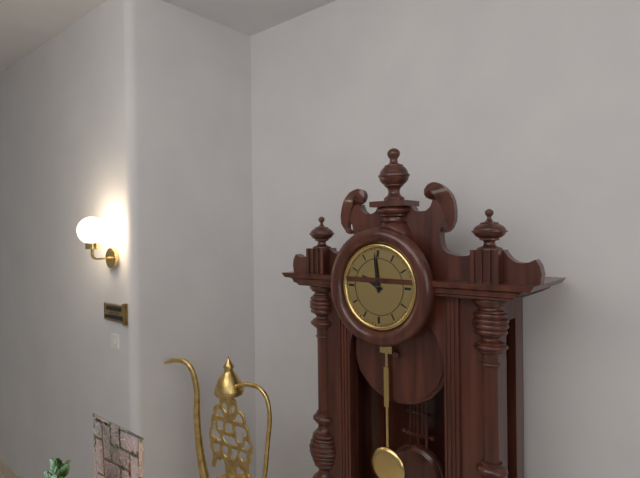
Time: {"hour": 9, "minute": 59}
